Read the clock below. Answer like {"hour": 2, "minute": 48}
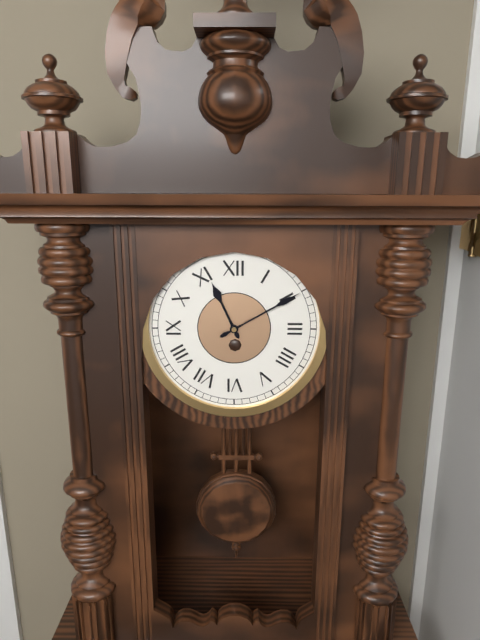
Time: {"hour": 11, "minute": 10}
